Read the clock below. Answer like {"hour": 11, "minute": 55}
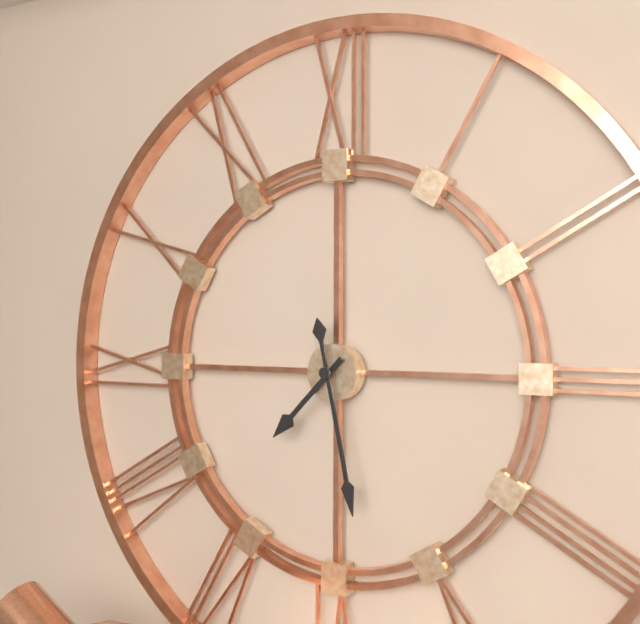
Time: {"hour": 7, "minute": 28}
